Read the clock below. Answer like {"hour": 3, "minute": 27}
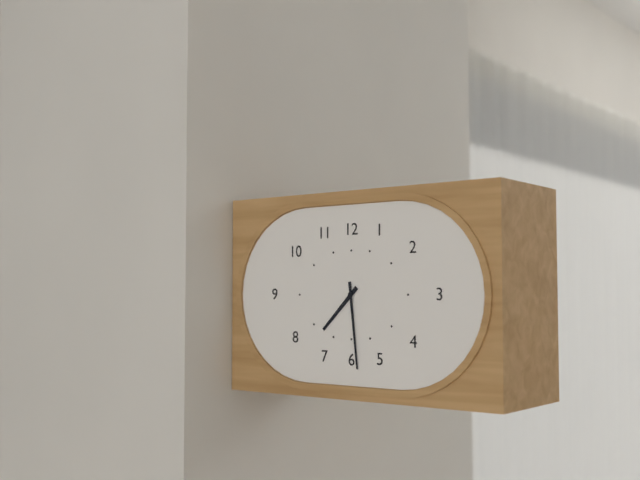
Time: {"hour": 7, "minute": 29}
